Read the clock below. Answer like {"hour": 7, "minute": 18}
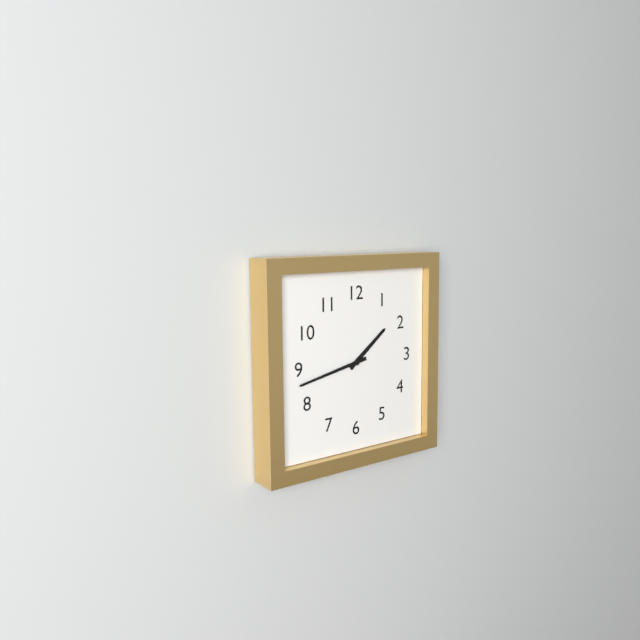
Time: {"hour": 1, "minute": 43}
